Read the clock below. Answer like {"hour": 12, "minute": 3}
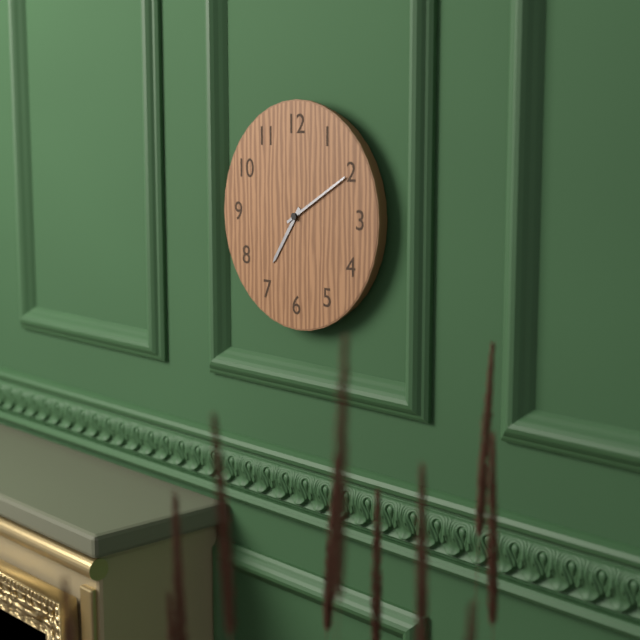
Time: {"hour": 7, "minute": 10}
